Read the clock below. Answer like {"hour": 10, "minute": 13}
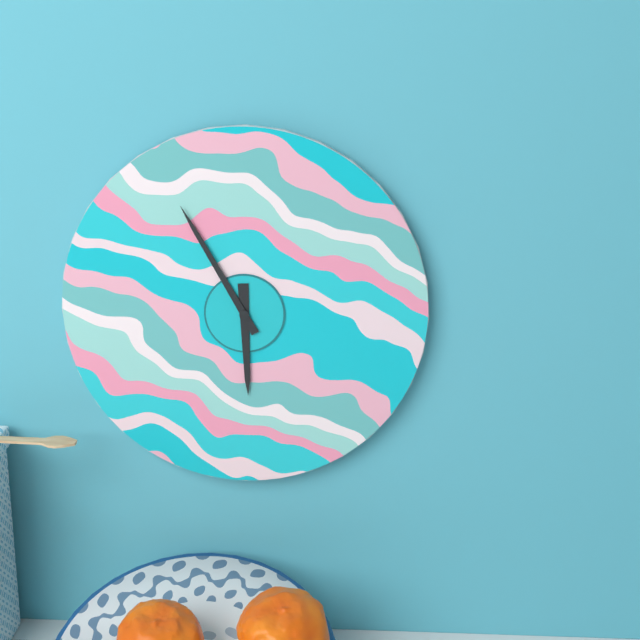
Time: {"hour": 5, "minute": 55}
